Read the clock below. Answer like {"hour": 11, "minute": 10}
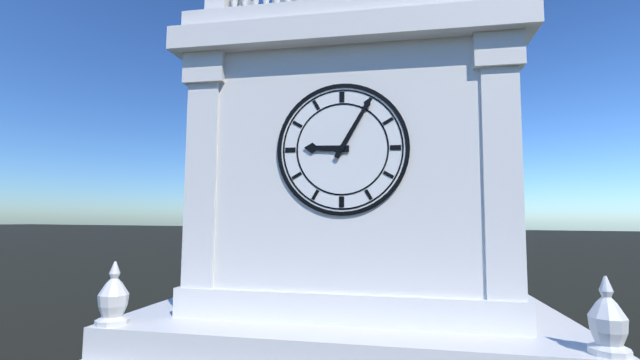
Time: {"hour": 9, "minute": 5}
